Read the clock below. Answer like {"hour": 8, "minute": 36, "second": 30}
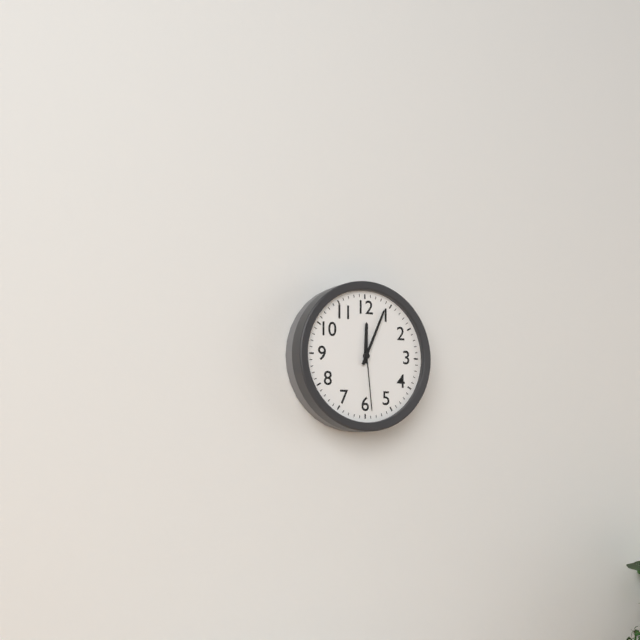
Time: {"hour": 12, "minute": 4, "second": 29}
